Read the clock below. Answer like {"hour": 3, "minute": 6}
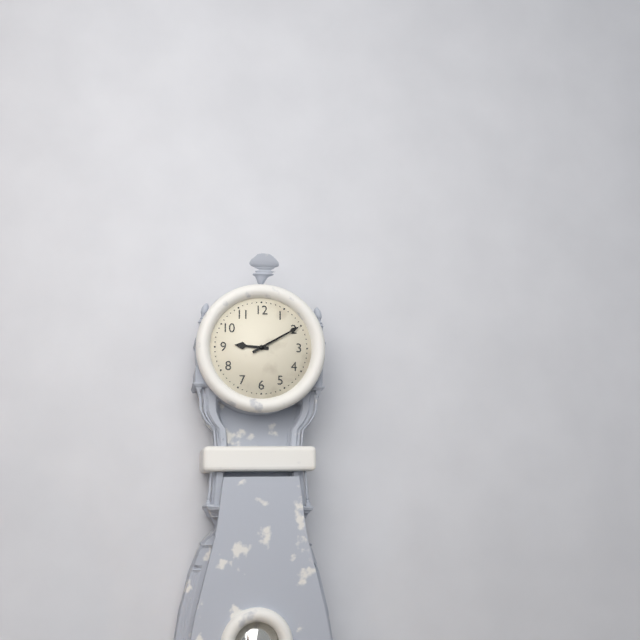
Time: {"hour": 9, "minute": 10}
